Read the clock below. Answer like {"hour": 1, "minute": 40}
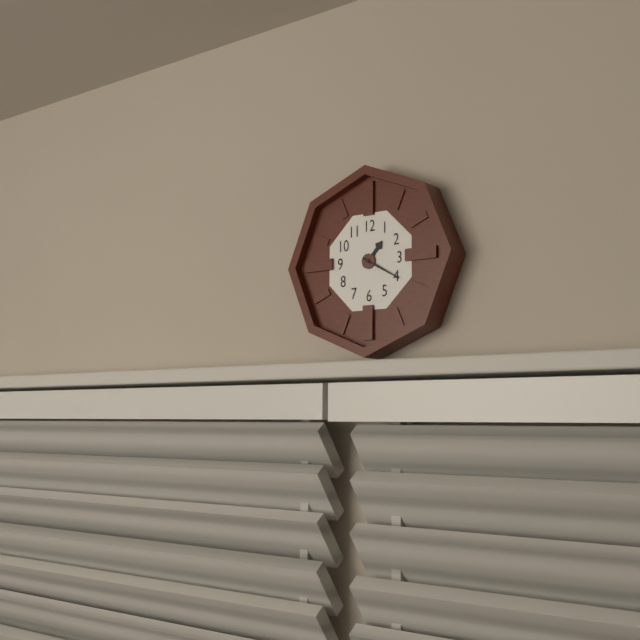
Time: {"hour": 1, "minute": 20}
